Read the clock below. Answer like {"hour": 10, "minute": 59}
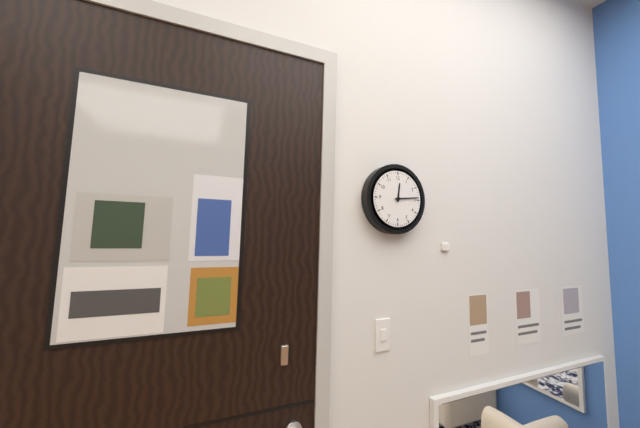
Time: {"hour": 12, "minute": 14}
